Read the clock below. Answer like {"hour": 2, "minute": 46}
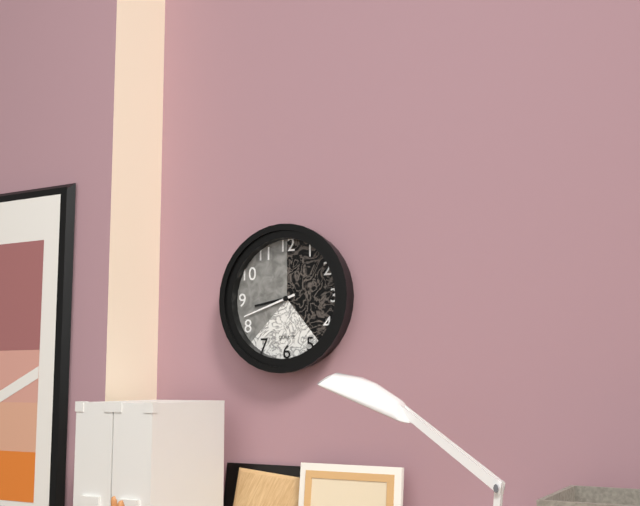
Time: {"hour": 8, "minute": 42}
